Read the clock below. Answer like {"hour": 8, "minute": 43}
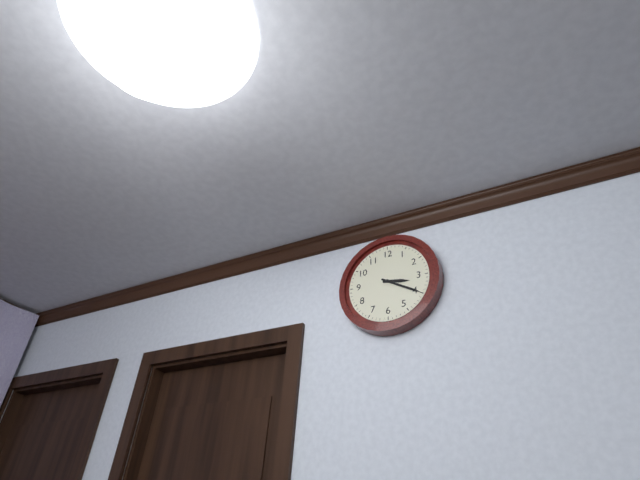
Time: {"hour": 3, "minute": 20}
